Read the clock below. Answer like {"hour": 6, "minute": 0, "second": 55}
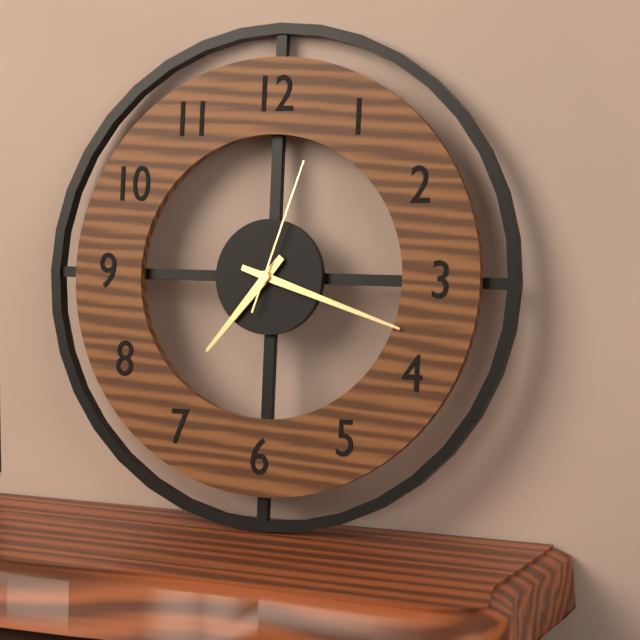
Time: {"hour": 7, "minute": 18, "second": 3}
